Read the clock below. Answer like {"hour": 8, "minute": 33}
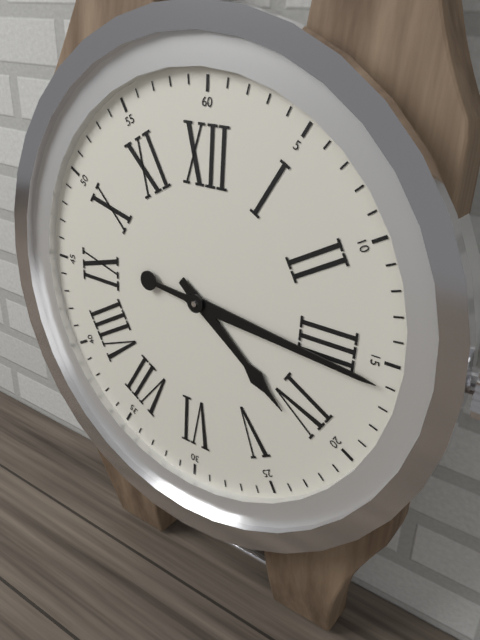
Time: {"hour": 4, "minute": 16}
